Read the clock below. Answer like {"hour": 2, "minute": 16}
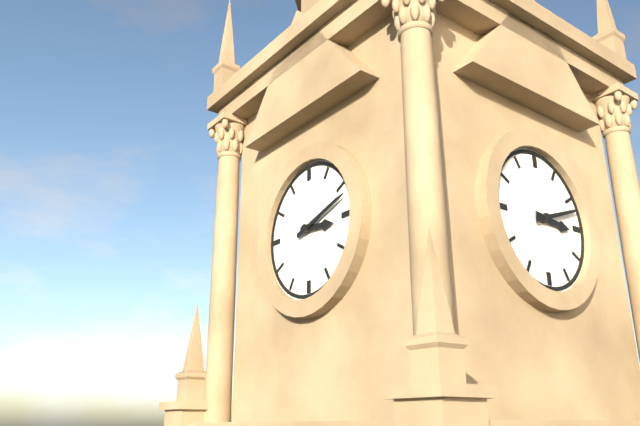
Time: {"hour": 3, "minute": 12}
